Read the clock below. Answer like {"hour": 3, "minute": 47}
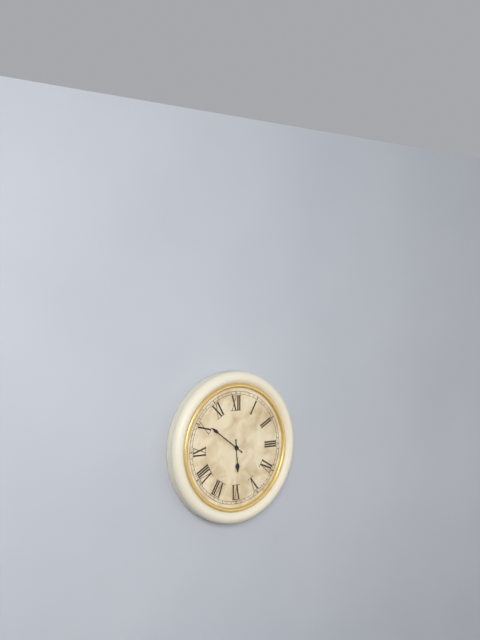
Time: {"hour": 5, "minute": 51}
